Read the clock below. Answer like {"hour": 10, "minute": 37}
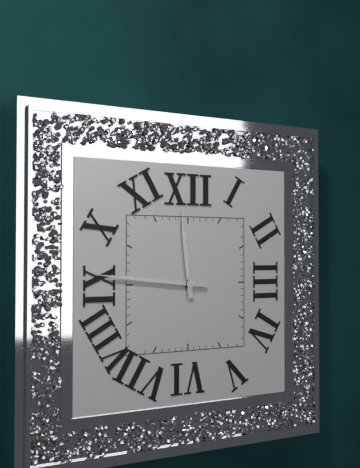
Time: {"hour": 11, "minute": 46}
